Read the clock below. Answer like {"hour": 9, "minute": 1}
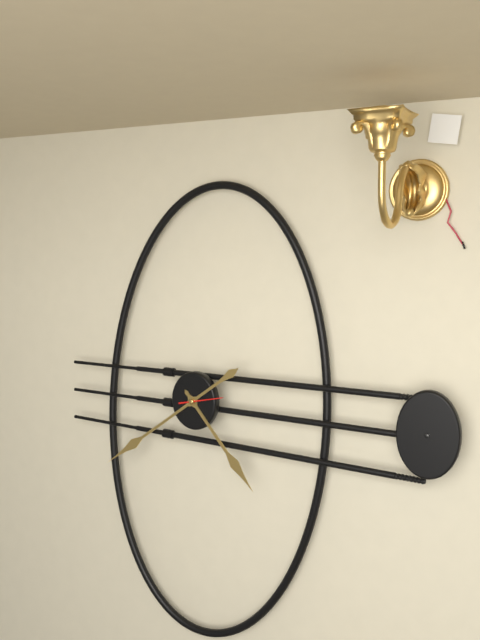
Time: {"hour": 4, "minute": 39}
